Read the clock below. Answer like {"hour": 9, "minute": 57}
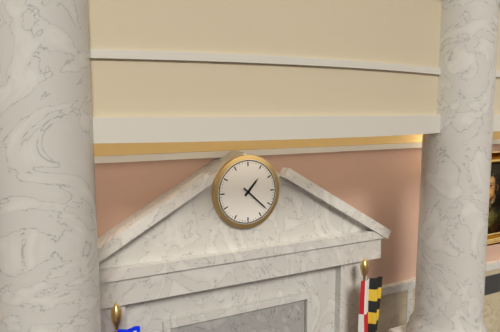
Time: {"hour": 1, "minute": 22}
